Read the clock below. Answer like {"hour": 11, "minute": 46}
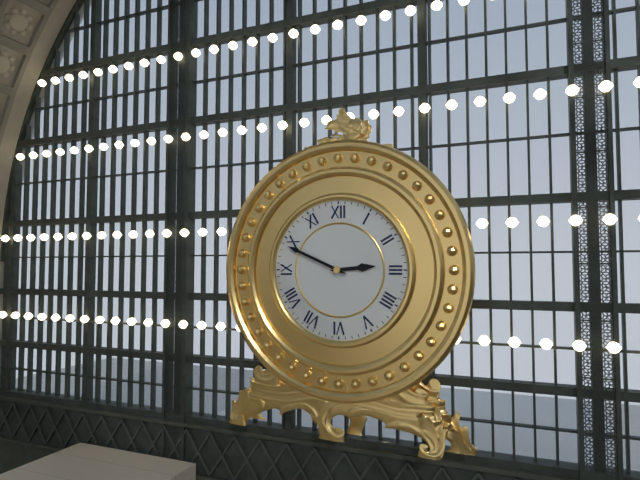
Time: {"hour": 2, "minute": 49}
